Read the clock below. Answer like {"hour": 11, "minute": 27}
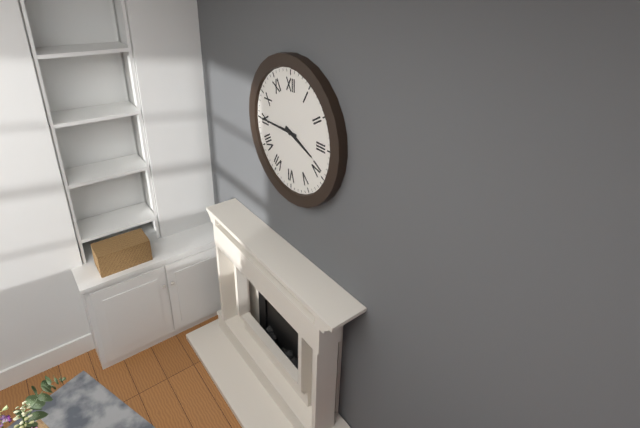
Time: {"hour": 3, "minute": 45}
